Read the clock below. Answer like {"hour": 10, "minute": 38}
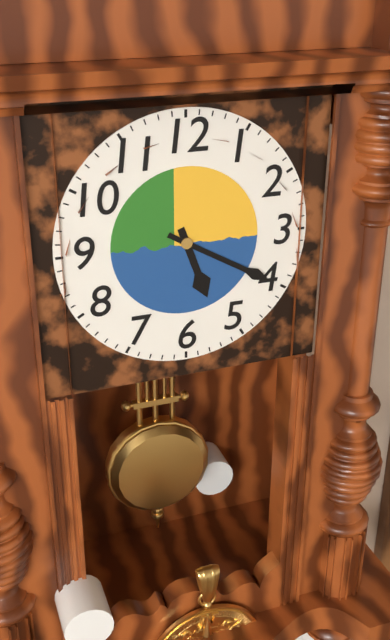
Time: {"hour": 5, "minute": 20}
